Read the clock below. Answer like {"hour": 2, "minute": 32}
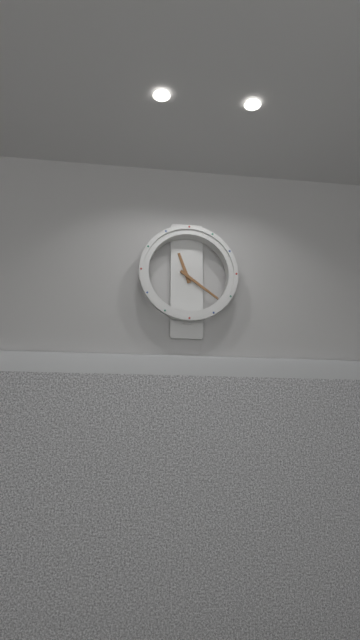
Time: {"hour": 11, "minute": 21}
